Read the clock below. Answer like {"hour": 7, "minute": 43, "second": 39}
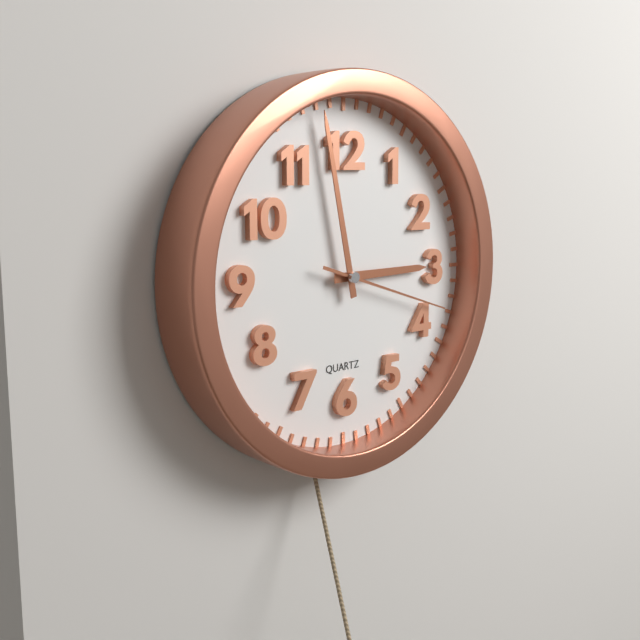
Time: {"hour": 2, "minute": 58, "second": 18}
